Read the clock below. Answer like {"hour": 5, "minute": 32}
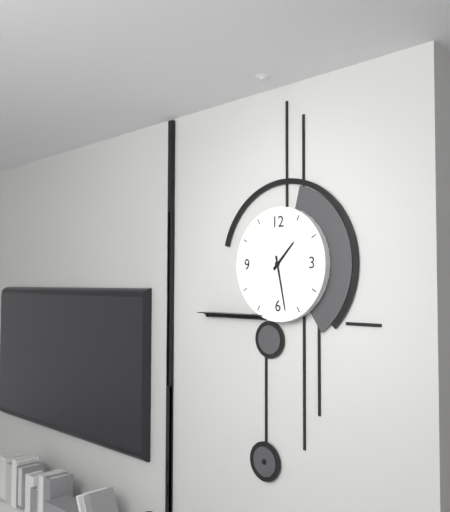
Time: {"hour": 1, "minute": 28}
